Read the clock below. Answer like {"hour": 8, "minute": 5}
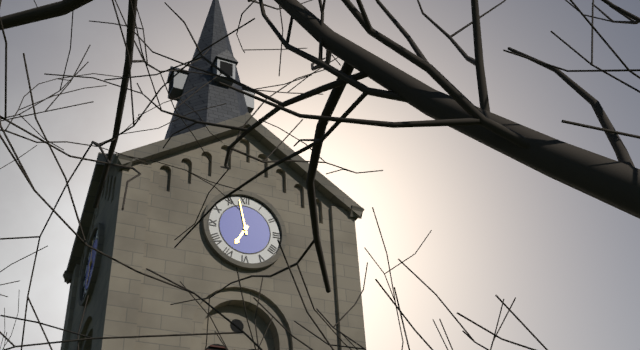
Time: {"hour": 6, "minute": 58}
